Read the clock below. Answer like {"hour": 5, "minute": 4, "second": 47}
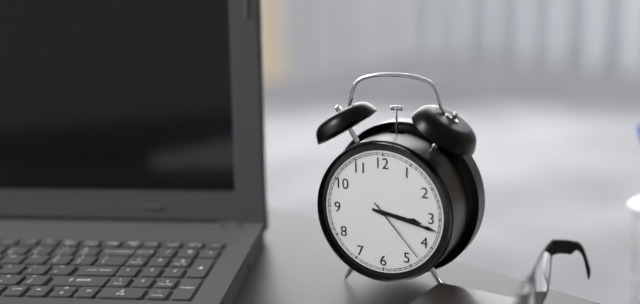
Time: {"hour": 3, "minute": 17, "second": 23}
